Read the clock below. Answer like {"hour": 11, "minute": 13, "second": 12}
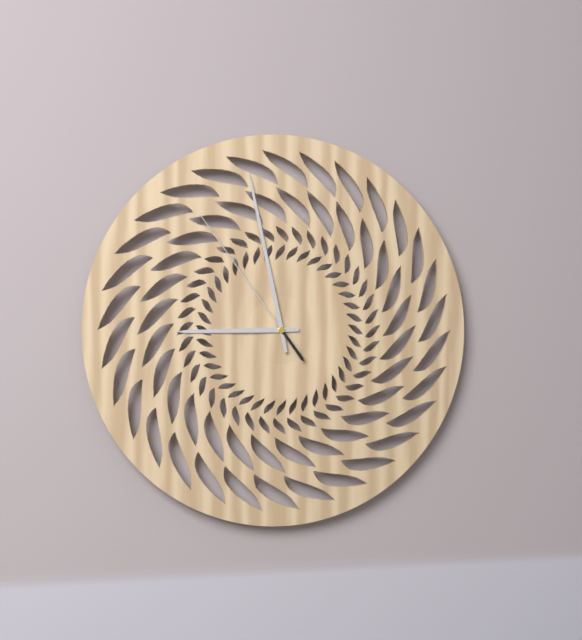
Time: {"hour": 8, "minute": 58, "second": 54}
